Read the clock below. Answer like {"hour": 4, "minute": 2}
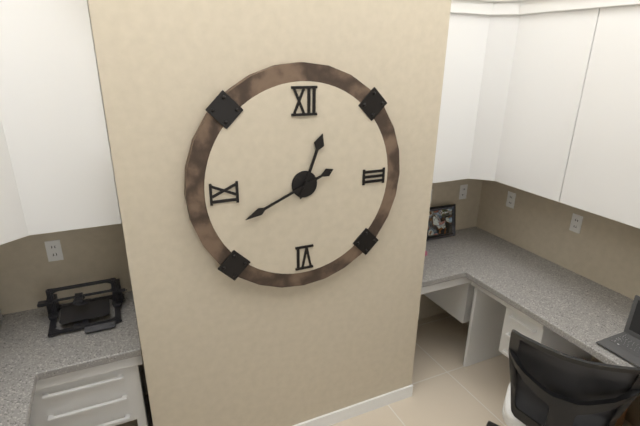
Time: {"hour": 12, "minute": 41}
